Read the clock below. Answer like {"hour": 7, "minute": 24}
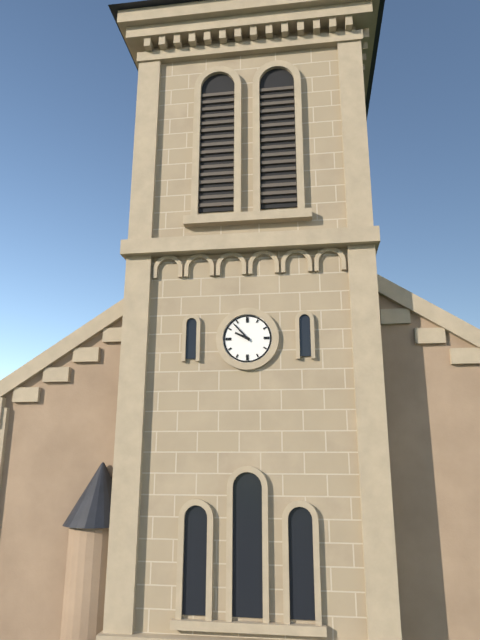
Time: {"hour": 9, "minute": 53}
